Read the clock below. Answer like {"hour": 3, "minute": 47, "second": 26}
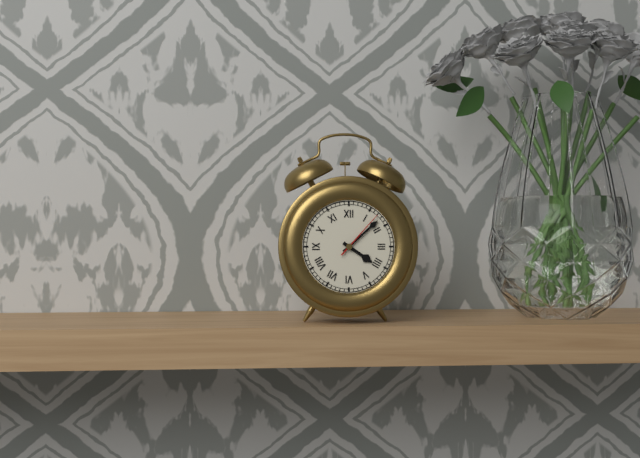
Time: {"hour": 4, "minute": 8, "second": 7}
